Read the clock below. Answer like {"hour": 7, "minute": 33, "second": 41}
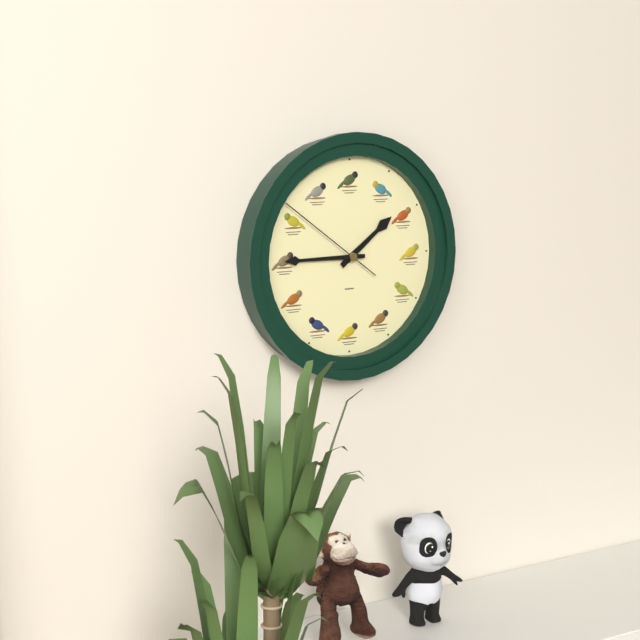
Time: {"hour": 1, "minute": 45, "second": 51}
